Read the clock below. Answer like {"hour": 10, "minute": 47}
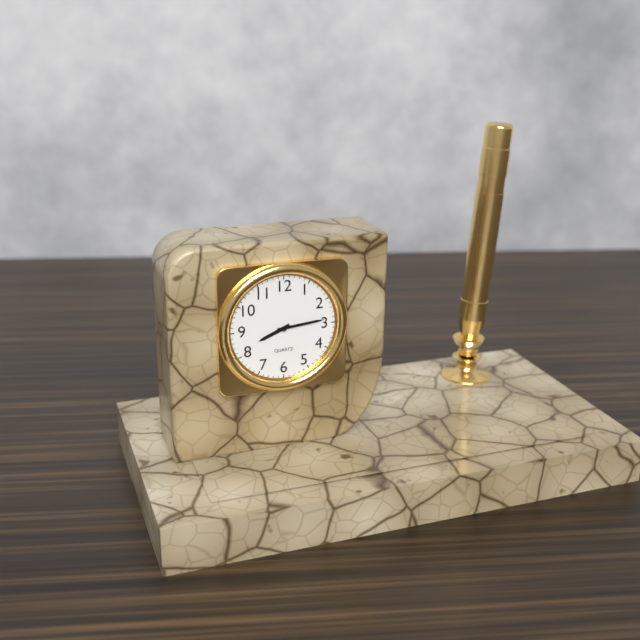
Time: {"hour": 8, "minute": 14}
